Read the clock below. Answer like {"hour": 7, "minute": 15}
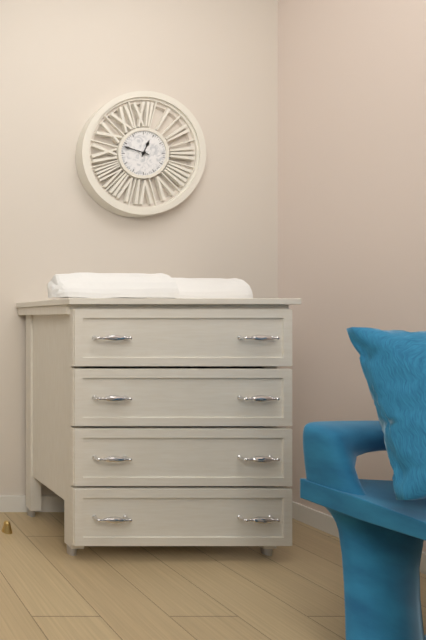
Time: {"hour": 12, "minute": 48}
